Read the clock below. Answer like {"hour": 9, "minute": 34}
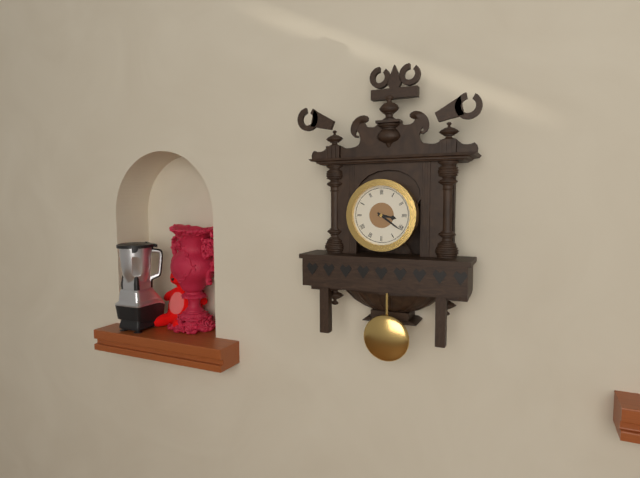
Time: {"hour": 3, "minute": 21}
